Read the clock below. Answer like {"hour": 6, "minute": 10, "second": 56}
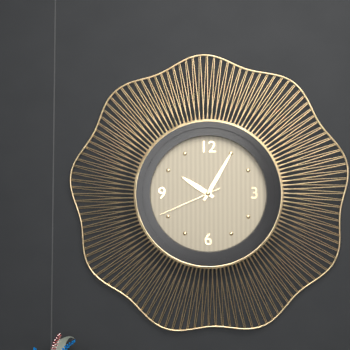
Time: {"hour": 10, "minute": 5, "second": 41}
